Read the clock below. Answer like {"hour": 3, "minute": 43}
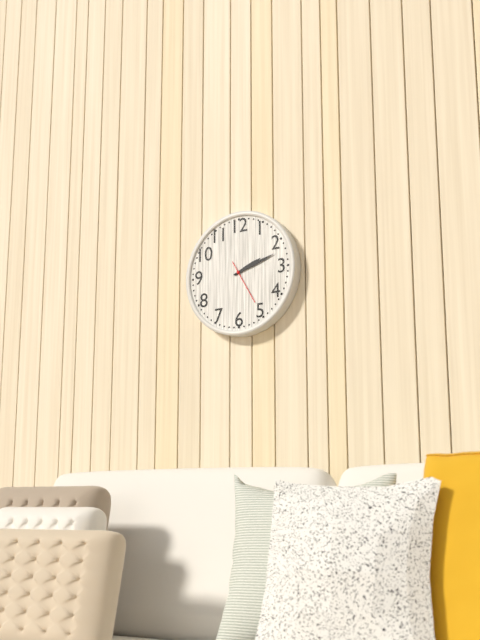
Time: {"hour": 2, "minute": 12}
